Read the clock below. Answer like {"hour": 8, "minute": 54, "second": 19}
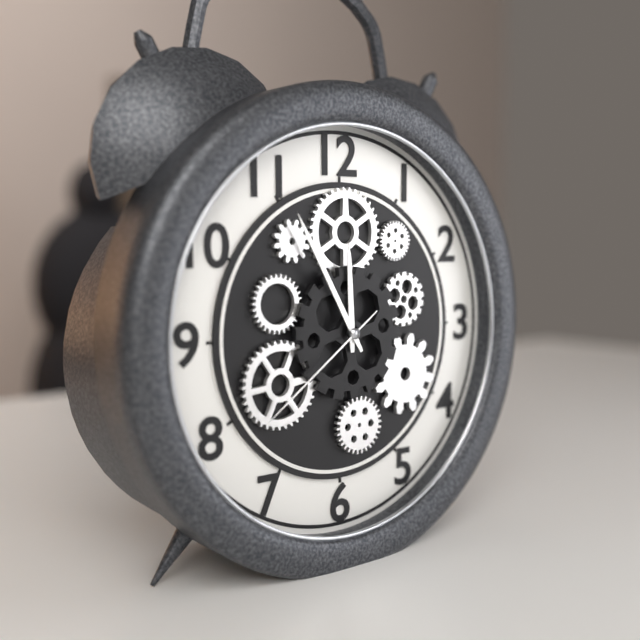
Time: {"hour": 11, "minute": 55, "second": 39}
